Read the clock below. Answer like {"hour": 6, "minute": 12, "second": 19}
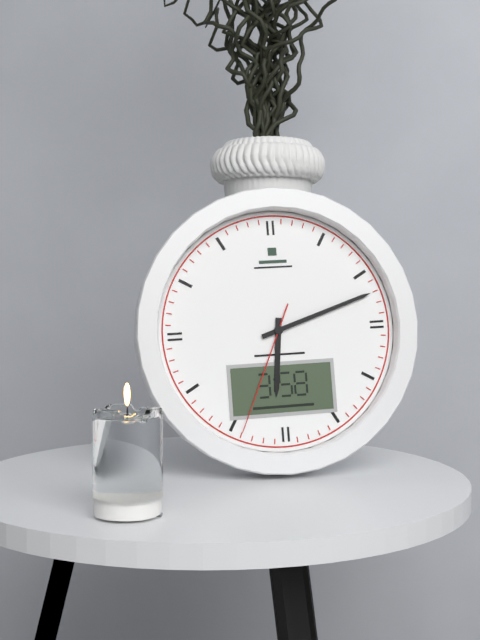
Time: {"hour": 6, "minute": 12, "second": 34}
